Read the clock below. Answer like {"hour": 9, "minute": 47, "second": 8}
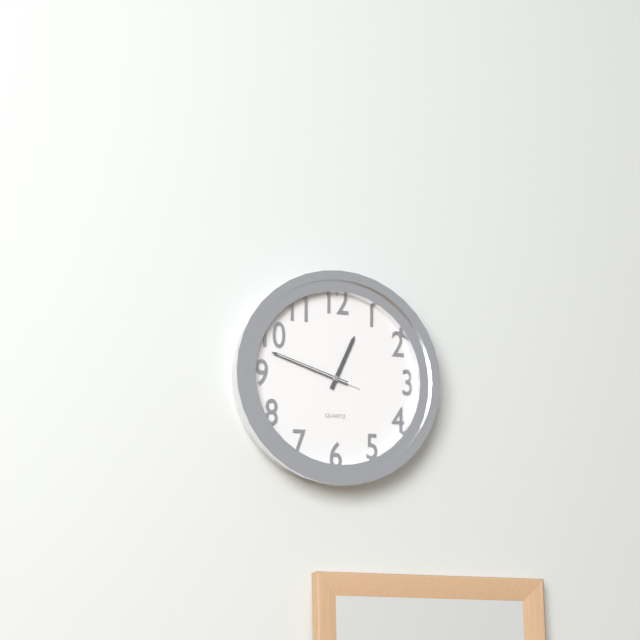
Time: {"hour": 12, "minute": 48, "second": 48}
